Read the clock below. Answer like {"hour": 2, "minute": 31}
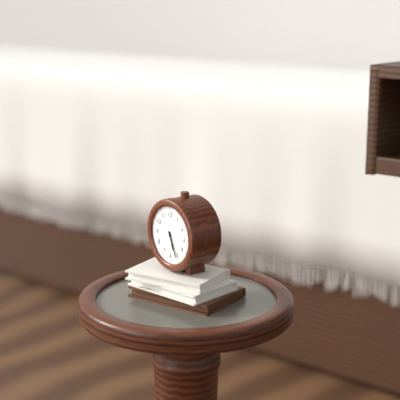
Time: {"hour": 5, "minute": 26}
